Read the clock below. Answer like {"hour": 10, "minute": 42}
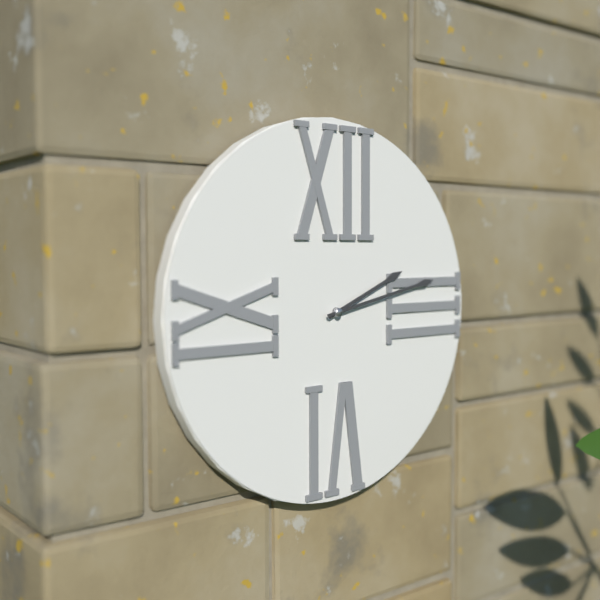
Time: {"hour": 2, "minute": 13}
